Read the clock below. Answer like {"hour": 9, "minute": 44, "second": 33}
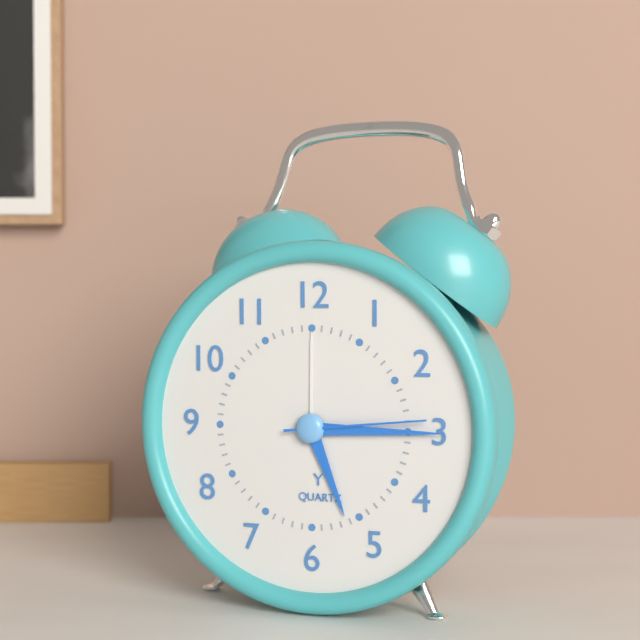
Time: {"hour": 5, "minute": 15, "second": 14}
